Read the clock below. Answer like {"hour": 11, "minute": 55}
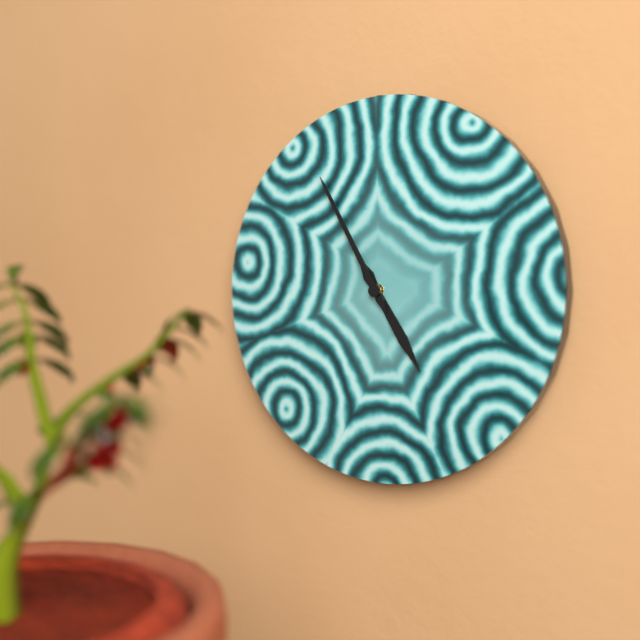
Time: {"hour": 4, "minute": 55}
